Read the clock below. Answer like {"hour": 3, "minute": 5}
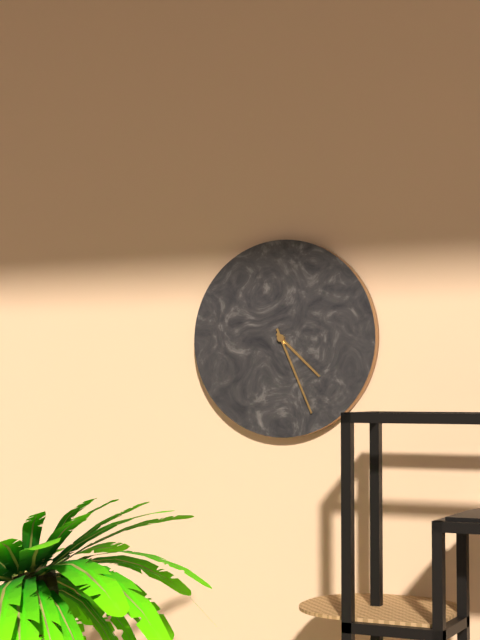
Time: {"hour": 4, "minute": 26}
